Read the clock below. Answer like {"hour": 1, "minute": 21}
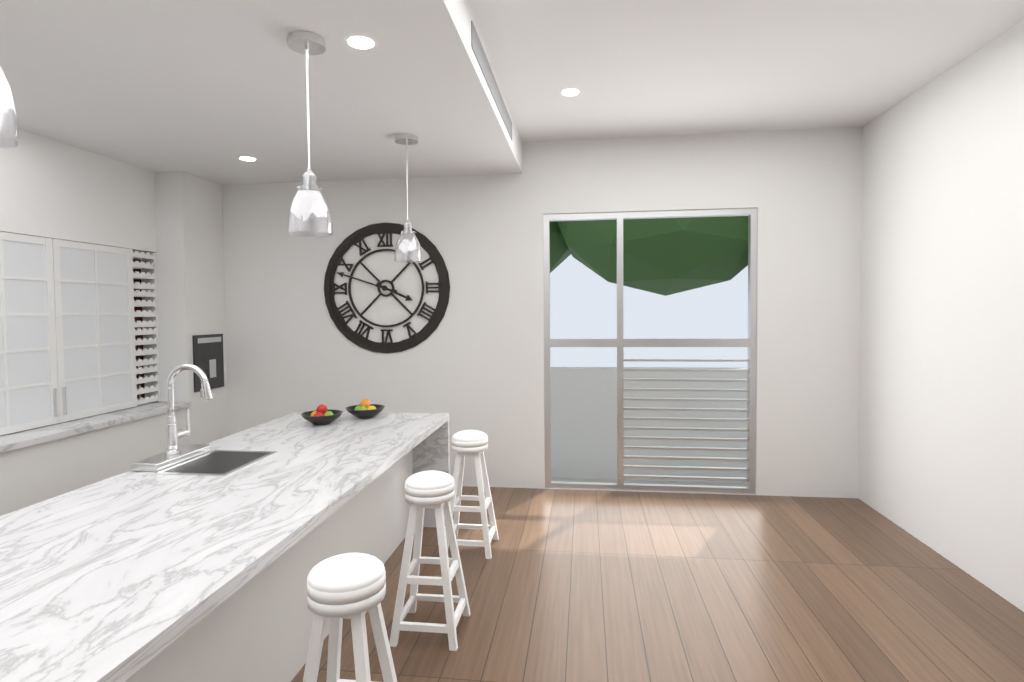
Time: {"hour": 3, "minute": 48}
